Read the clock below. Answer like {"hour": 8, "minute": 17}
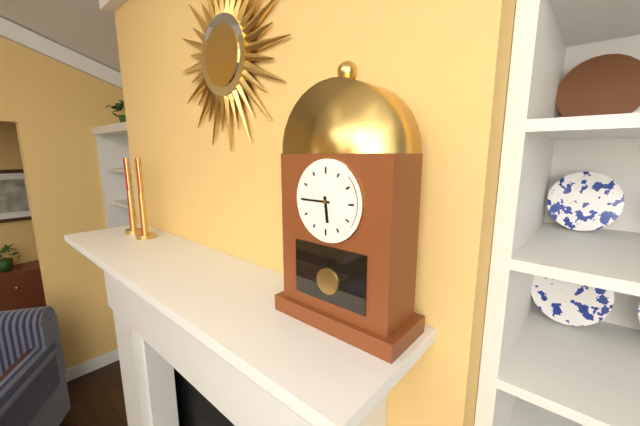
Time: {"hour": 5, "minute": 45}
